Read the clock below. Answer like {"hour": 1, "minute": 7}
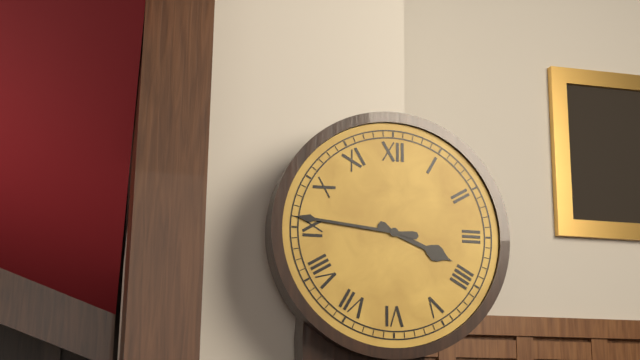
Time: {"hour": 3, "minute": 46}
